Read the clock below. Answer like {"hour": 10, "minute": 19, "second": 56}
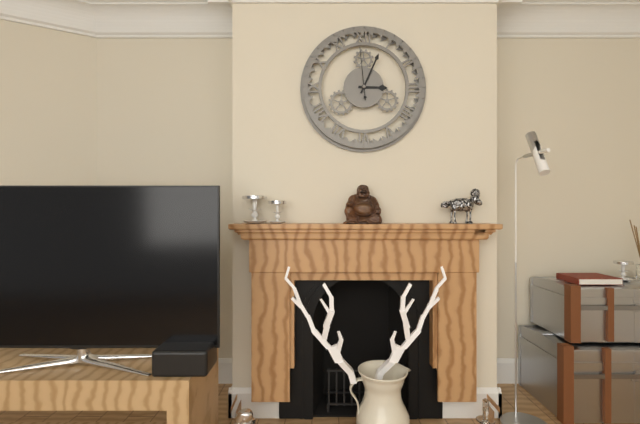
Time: {"hour": 3, "minute": 4, "second": 59}
